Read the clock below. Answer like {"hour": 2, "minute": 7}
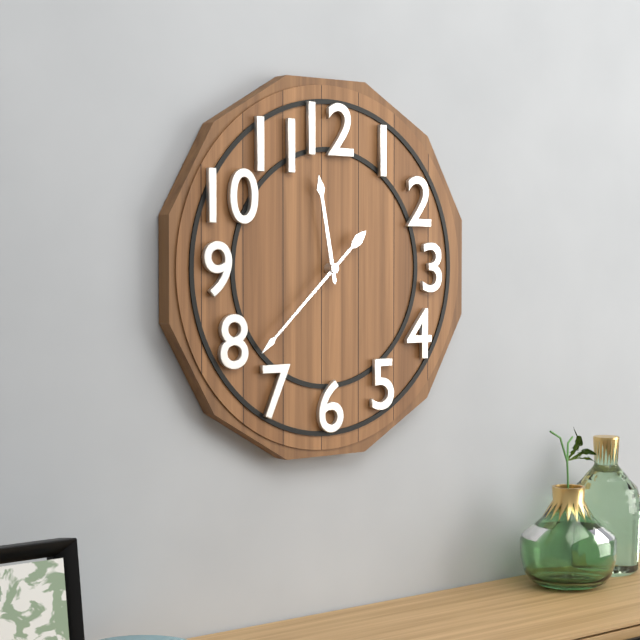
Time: {"hour": 11, "minute": 38}
